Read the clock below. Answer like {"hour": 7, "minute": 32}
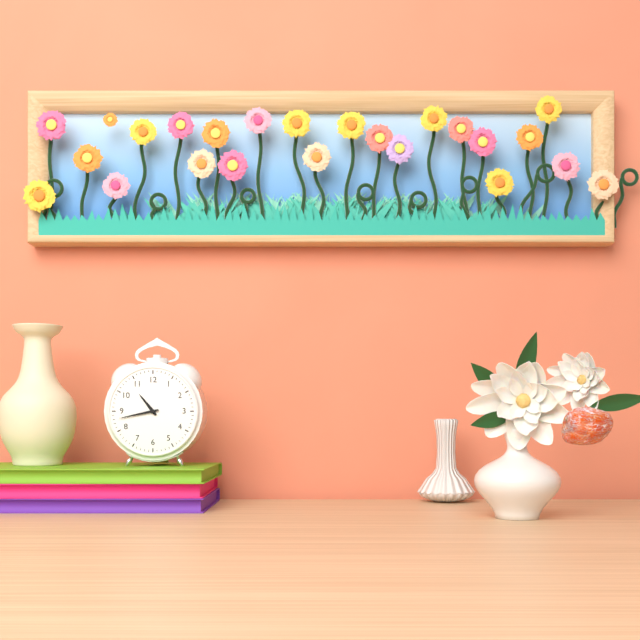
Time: {"hour": 10, "minute": 43}
